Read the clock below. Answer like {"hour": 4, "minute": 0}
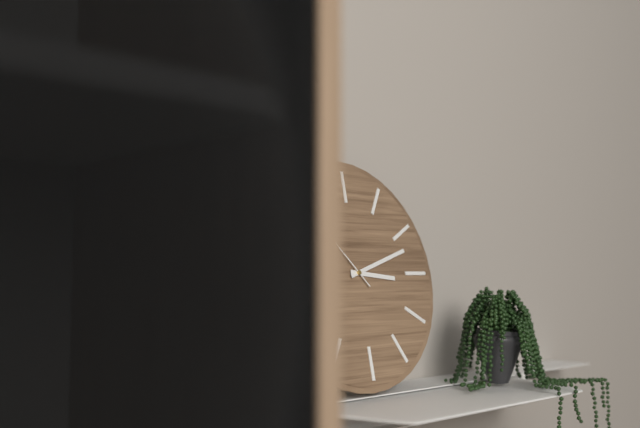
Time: {"hour": 3, "minute": 12}
